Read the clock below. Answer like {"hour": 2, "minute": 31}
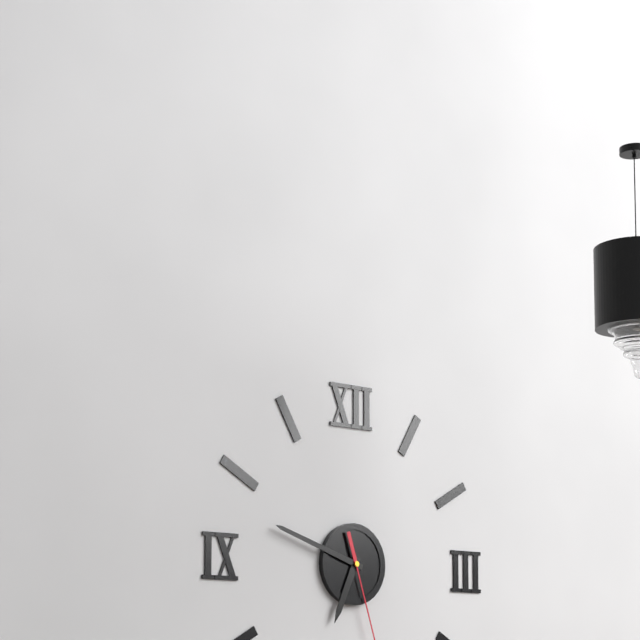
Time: {"hour": 6, "minute": 48}
